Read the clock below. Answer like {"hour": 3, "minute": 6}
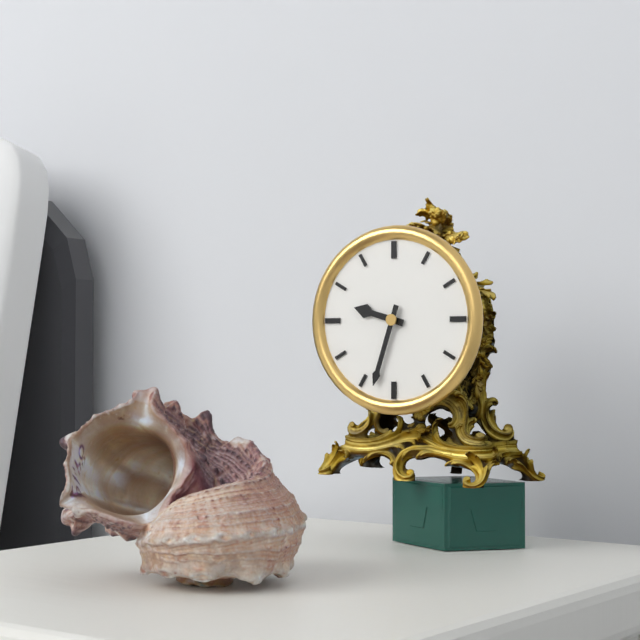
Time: {"hour": 9, "minute": 33}
